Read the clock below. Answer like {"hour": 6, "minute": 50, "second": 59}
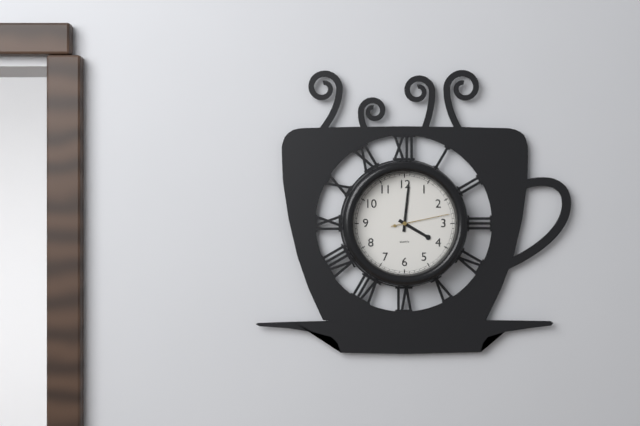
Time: {"hour": 4, "minute": 1, "second": 13}
